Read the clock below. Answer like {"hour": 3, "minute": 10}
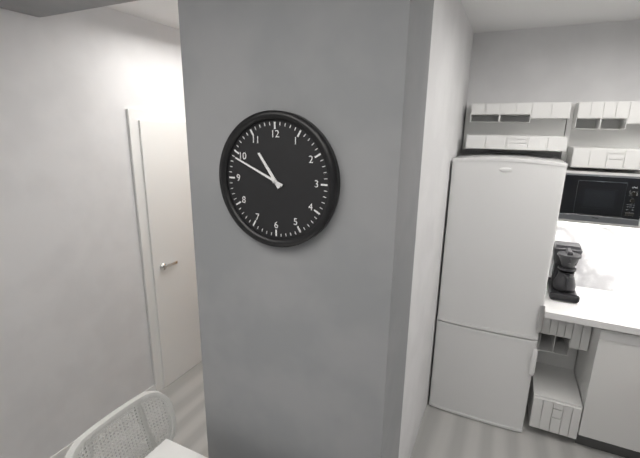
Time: {"hour": 10, "minute": 49}
